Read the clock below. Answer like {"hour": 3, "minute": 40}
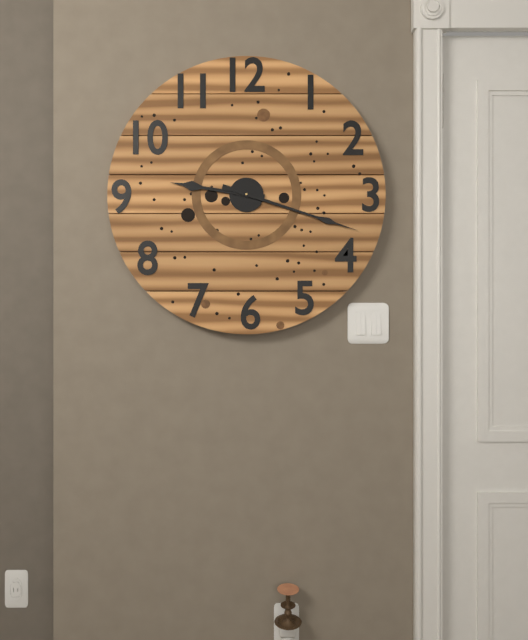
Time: {"hour": 9, "minute": 18}
